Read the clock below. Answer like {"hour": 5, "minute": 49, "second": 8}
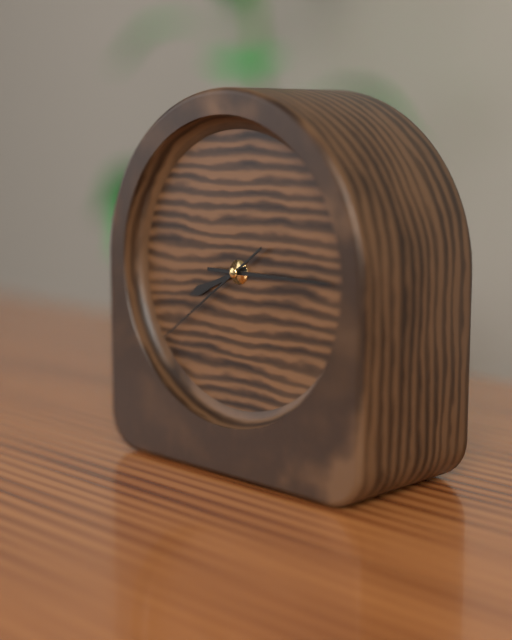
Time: {"hour": 8, "minute": 15, "second": 39}
